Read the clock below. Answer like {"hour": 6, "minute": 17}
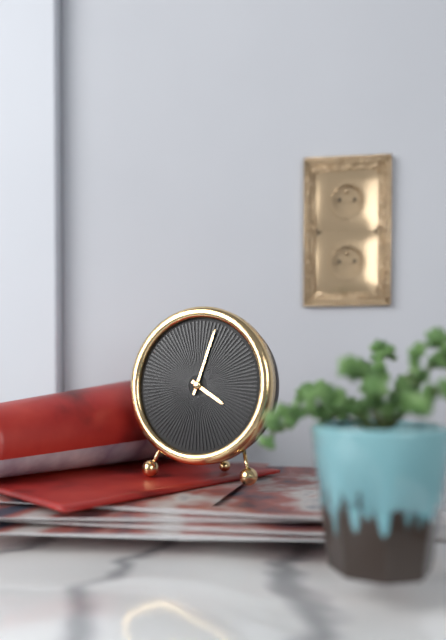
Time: {"hour": 4, "minute": 3}
